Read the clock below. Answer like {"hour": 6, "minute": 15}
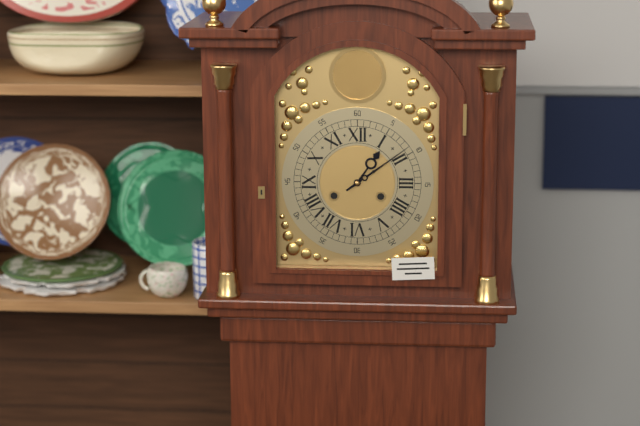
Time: {"hour": 1, "minute": 9}
